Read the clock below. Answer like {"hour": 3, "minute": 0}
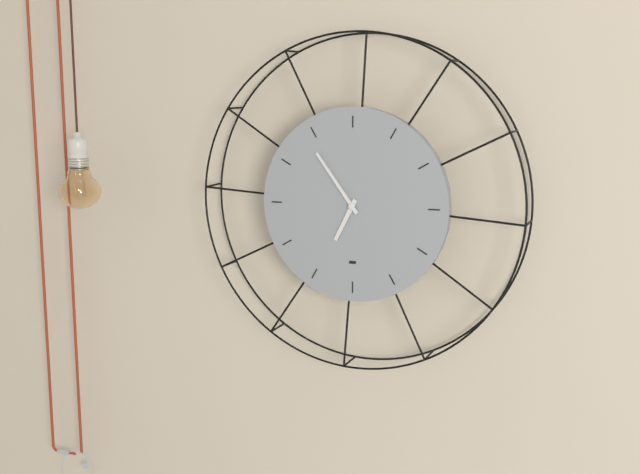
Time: {"hour": 6, "minute": 54}
